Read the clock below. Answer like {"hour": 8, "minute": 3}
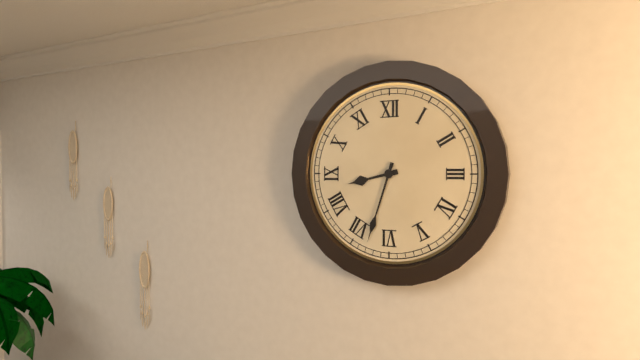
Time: {"hour": 8, "minute": 33}
